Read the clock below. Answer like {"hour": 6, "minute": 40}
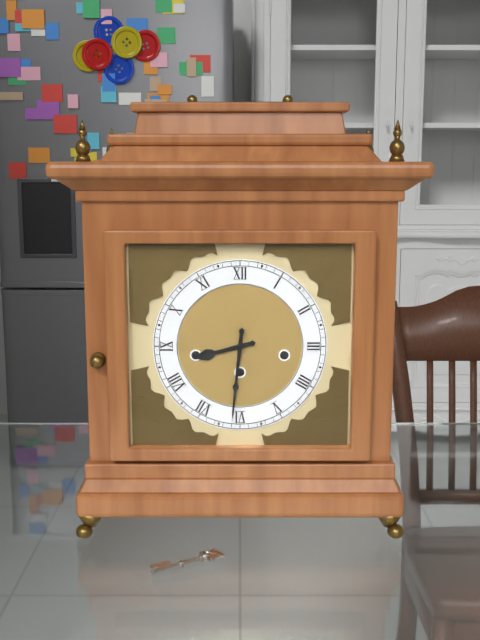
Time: {"hour": 8, "minute": 31}
